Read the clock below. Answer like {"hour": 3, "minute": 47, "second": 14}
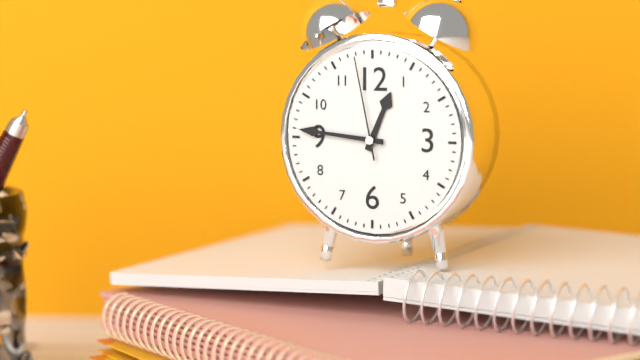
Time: {"hour": 12, "minute": 46, "second": 58}
